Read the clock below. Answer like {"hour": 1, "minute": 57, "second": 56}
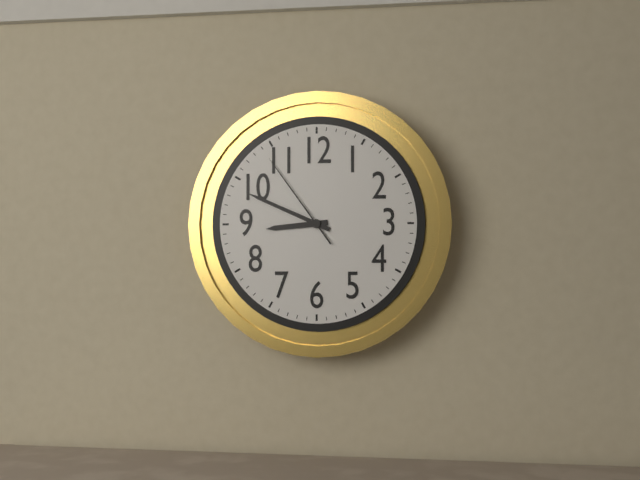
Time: {"hour": 8, "minute": 49, "second": 54}
